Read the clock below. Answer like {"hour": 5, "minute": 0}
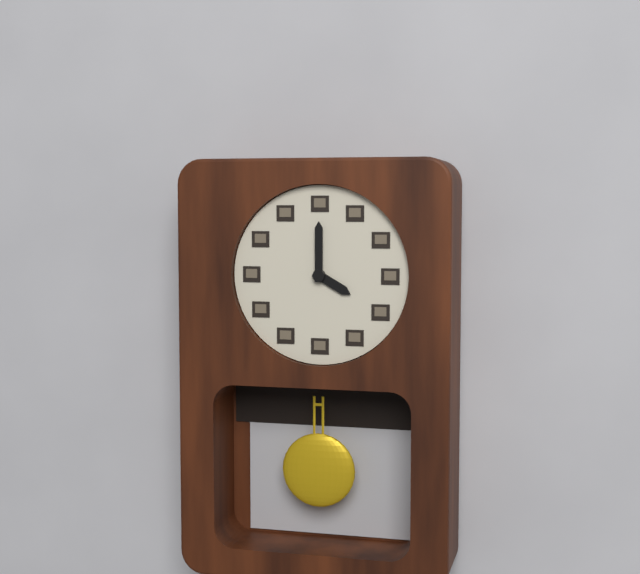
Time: {"hour": 4, "minute": 0}
